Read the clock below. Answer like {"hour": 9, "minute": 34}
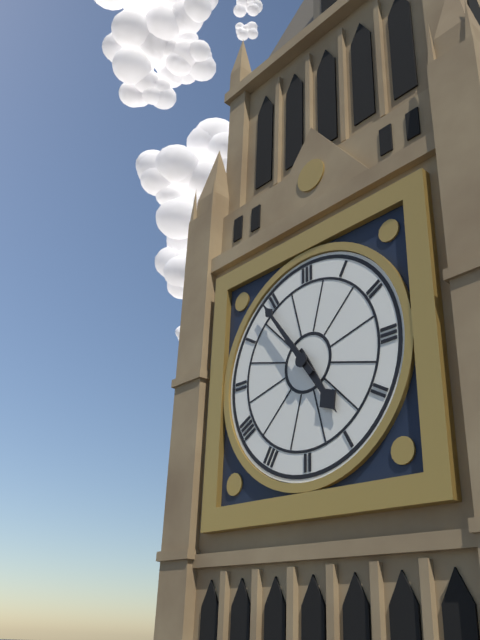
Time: {"hour": 4, "minute": 54}
